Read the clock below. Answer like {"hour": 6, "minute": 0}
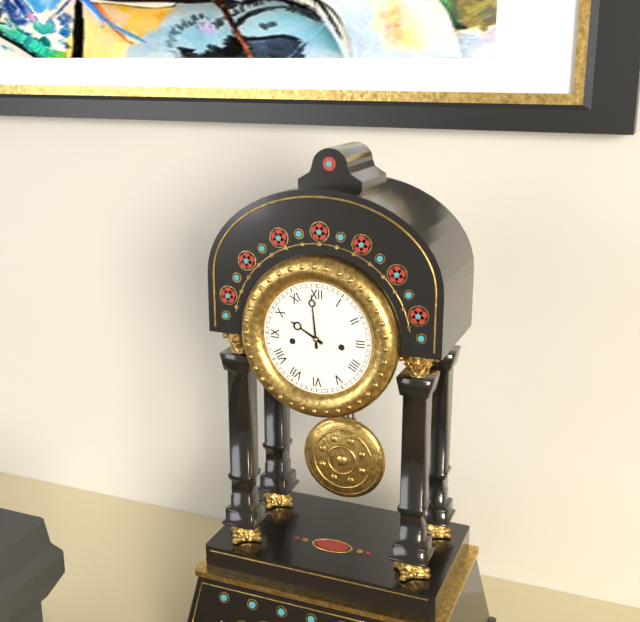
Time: {"hour": 9, "minute": 59}
